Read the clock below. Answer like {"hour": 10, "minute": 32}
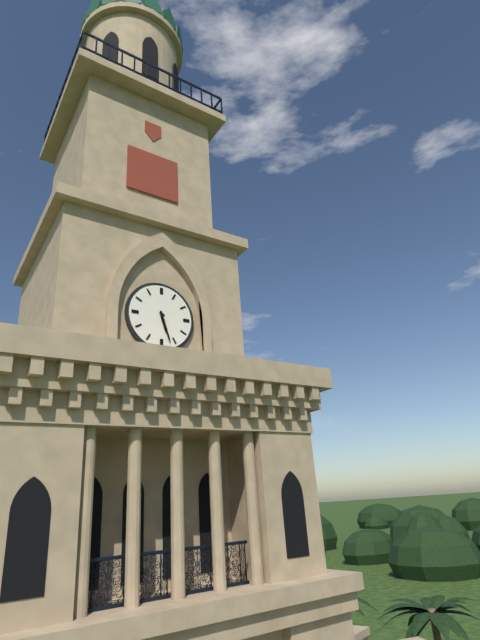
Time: {"hour": 5, "minute": 27}
